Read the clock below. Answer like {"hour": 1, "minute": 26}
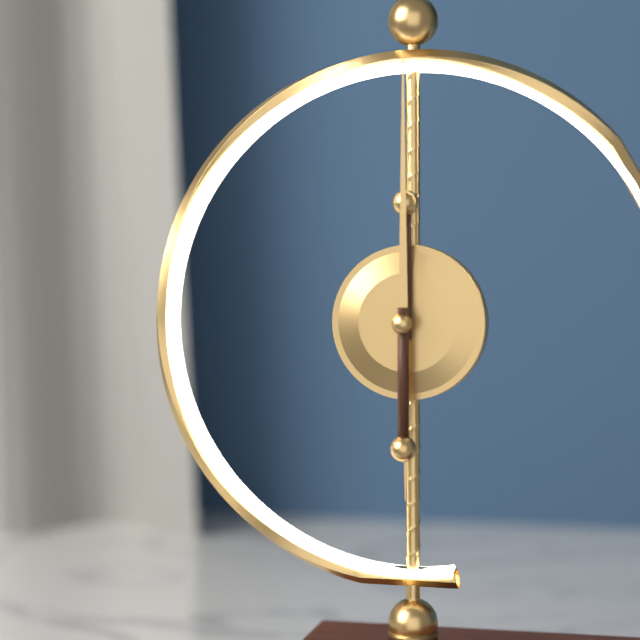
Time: {"hour": 6, "minute": 0}
